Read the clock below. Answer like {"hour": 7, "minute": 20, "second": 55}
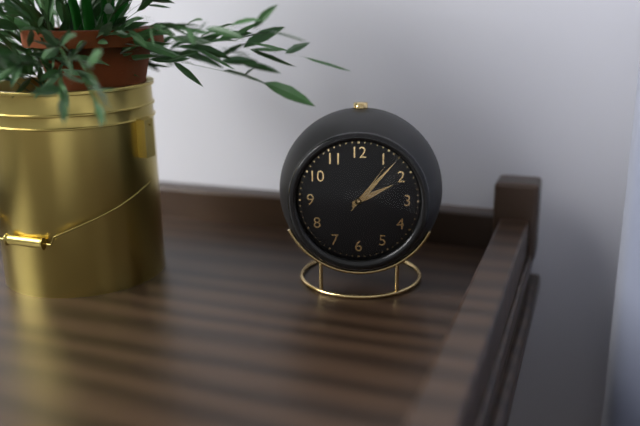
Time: {"hour": 2, "minute": 7, "second": 6}
